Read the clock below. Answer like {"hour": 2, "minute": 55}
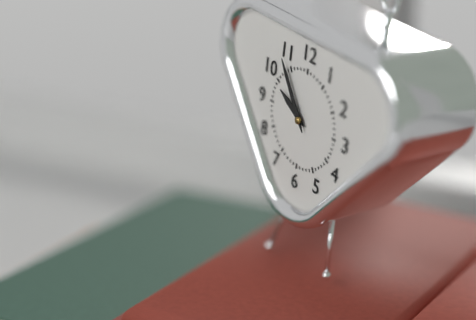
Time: {"hour": 9, "minute": 54}
